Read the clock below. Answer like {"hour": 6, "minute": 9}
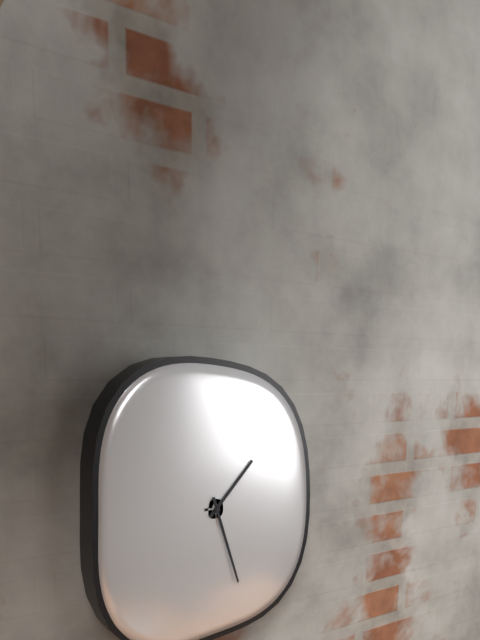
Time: {"hour": 1, "minute": 27}
